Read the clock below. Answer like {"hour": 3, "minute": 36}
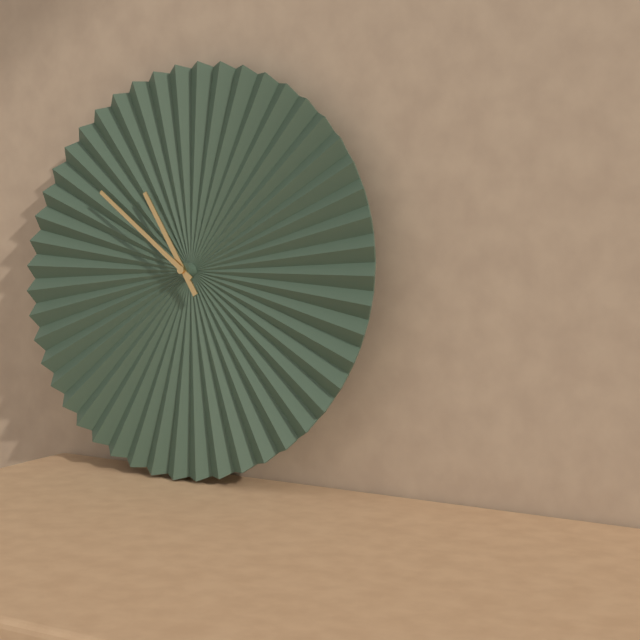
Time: {"hour": 10, "minute": 51}
